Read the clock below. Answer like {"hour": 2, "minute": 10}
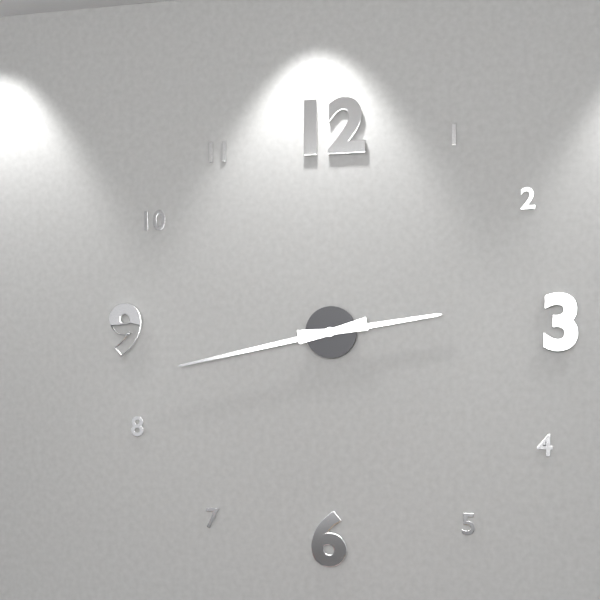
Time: {"hour": 2, "minute": 43}
